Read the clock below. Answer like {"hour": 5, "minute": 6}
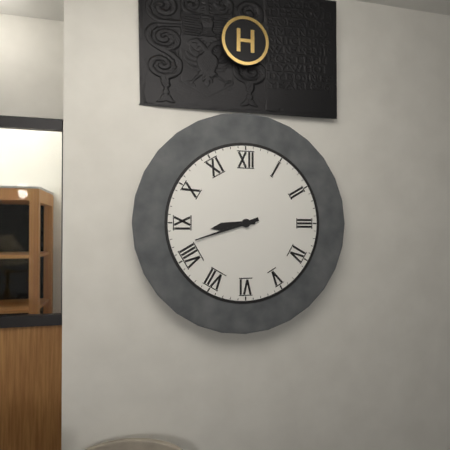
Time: {"hour": 8, "minute": 42}
